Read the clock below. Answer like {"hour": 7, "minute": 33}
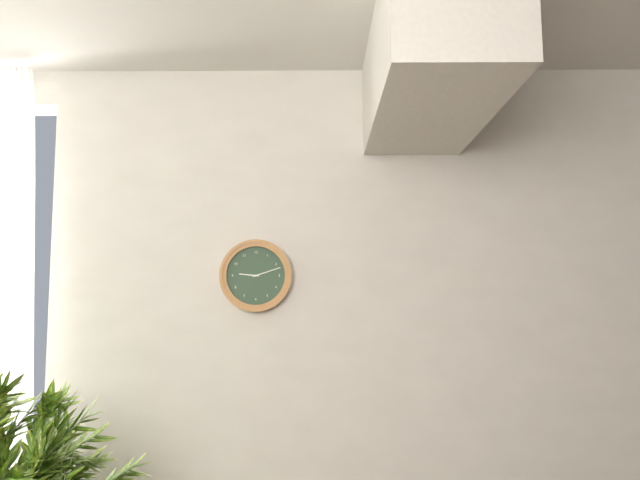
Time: {"hour": 9, "minute": 12}
